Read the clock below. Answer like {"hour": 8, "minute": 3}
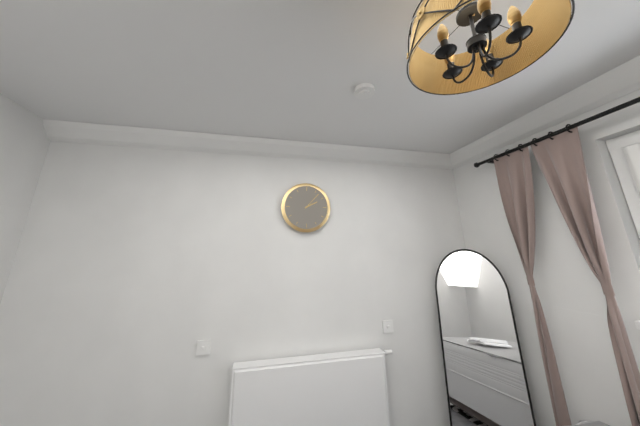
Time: {"hour": 2, "minute": 7}
